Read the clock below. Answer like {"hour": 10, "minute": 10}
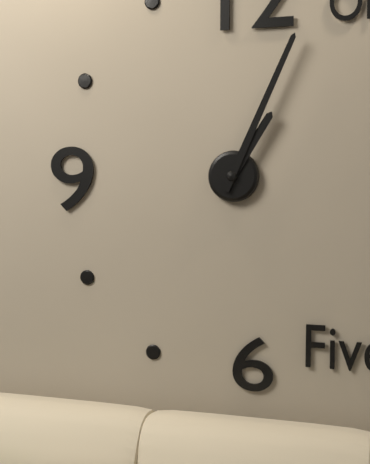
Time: {"hour": 1, "minute": 4}
